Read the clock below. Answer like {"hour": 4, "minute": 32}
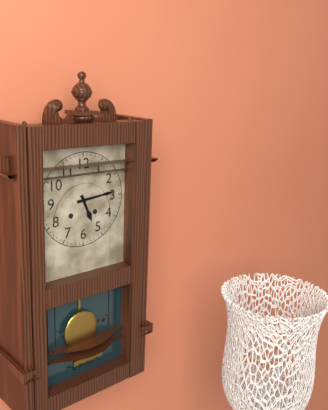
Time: {"hour": 5, "minute": 14}
